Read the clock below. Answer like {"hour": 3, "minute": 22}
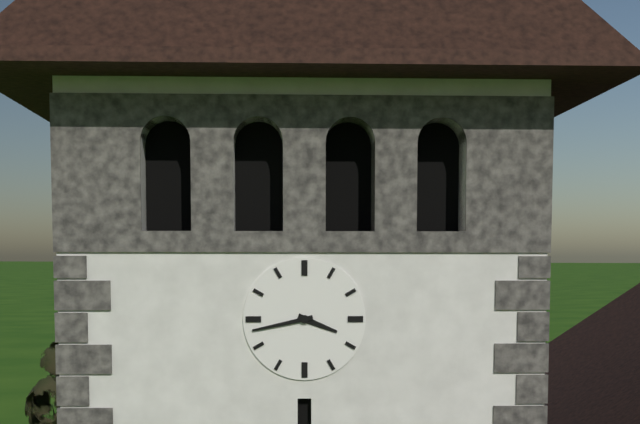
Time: {"hour": 3, "minute": 43}
